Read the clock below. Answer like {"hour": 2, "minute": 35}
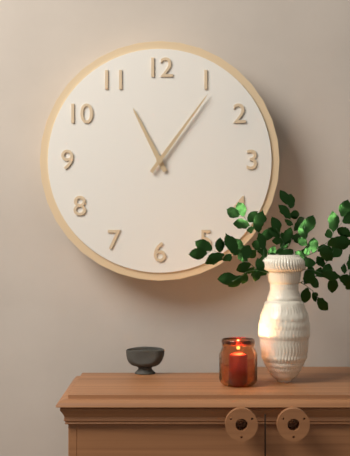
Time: {"hour": 11, "minute": 6}
